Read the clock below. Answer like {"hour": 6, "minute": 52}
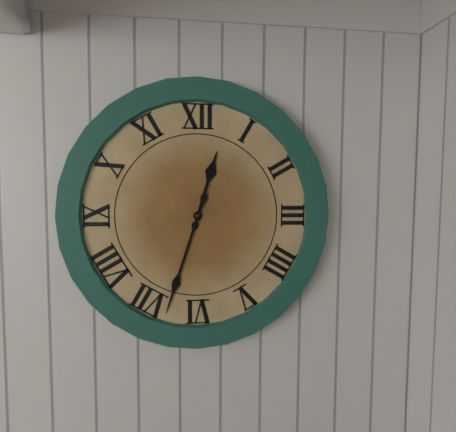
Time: {"hour": 12, "minute": 33}
